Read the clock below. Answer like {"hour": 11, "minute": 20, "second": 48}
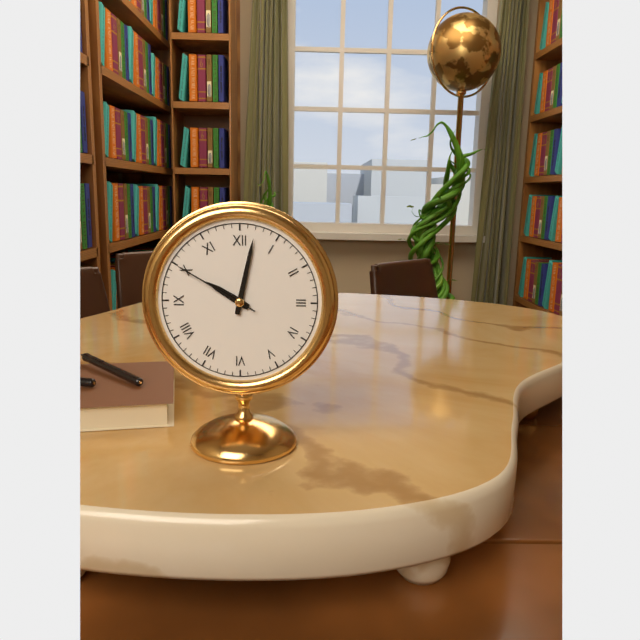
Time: {"hour": 10, "minute": 2, "second": 50}
